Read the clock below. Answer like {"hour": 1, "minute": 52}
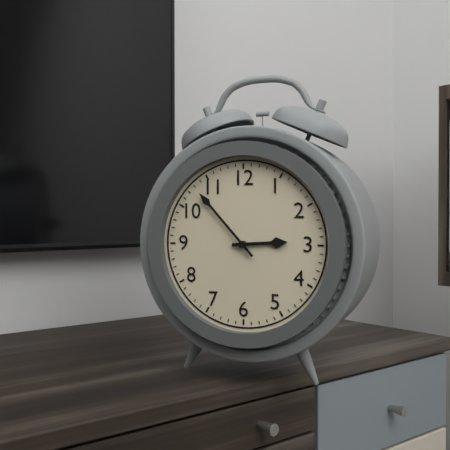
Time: {"hour": 2, "minute": 53}
